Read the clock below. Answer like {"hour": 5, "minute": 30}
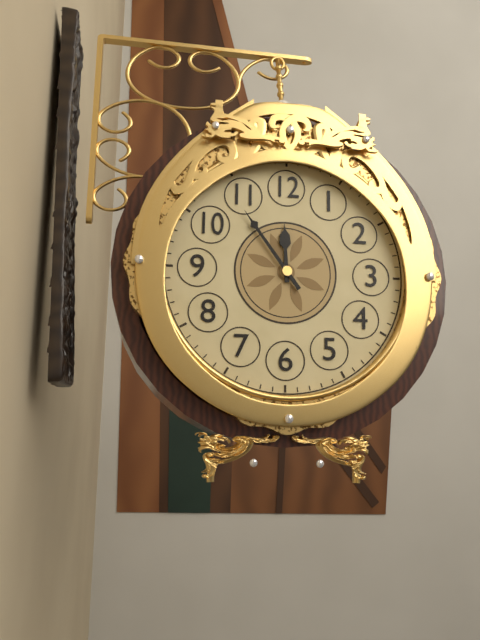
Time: {"hour": 11, "minute": 54}
